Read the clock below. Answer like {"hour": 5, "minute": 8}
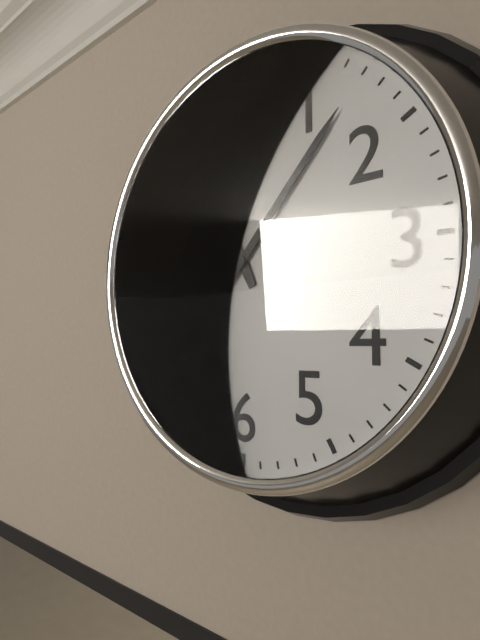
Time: {"hour": 11, "minute": 7}
